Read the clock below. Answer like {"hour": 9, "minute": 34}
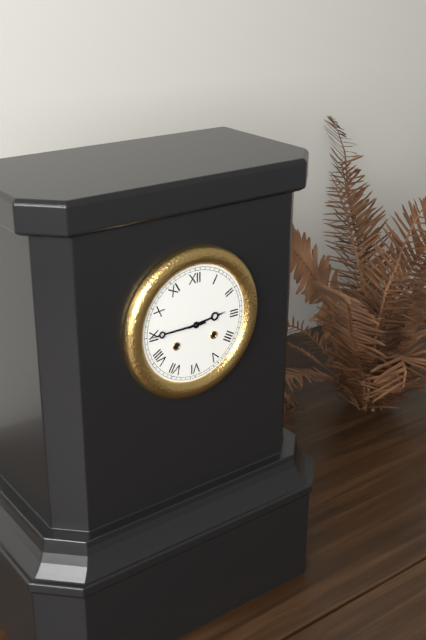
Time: {"hour": 2, "minute": 45}
